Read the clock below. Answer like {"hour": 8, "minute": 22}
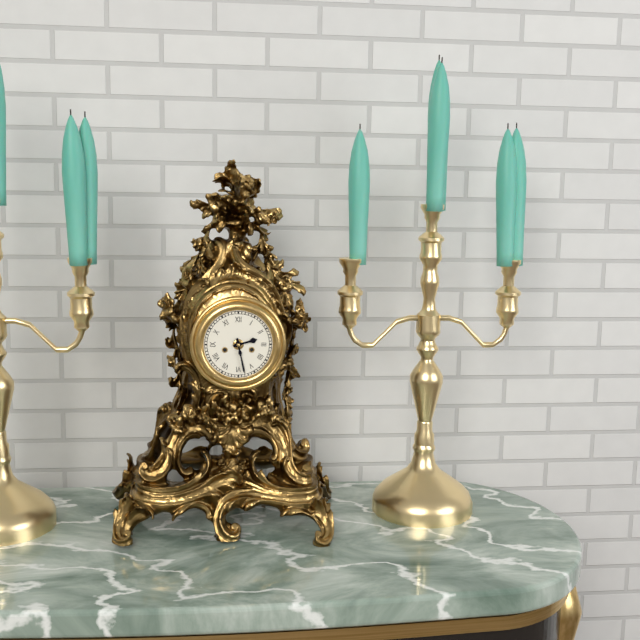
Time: {"hour": 2, "minute": 28}
